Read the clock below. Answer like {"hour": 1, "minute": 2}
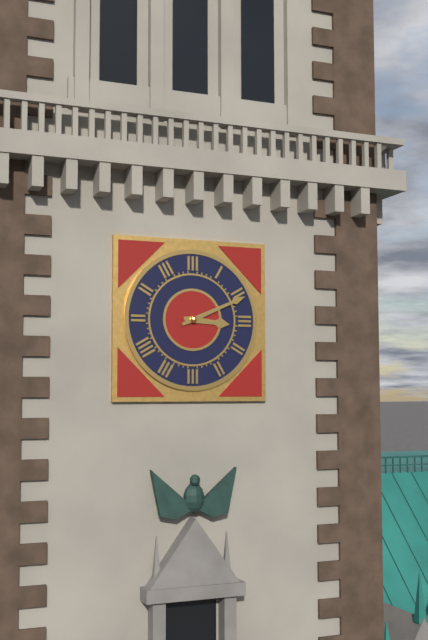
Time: {"hour": 3, "minute": 11}
